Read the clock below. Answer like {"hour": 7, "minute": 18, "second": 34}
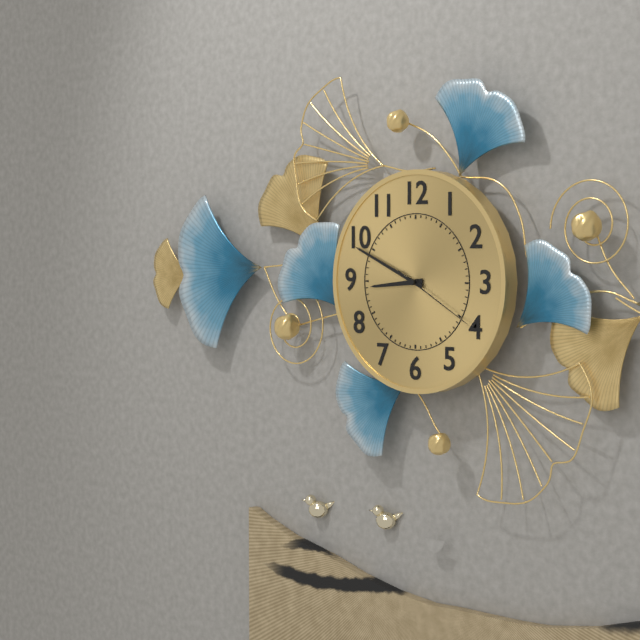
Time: {"hour": 8, "minute": 49, "second": 20}
